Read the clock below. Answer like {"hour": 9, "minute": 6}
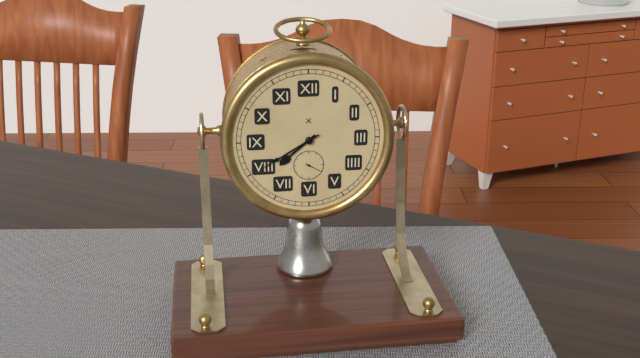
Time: {"hour": 7, "minute": 40}
